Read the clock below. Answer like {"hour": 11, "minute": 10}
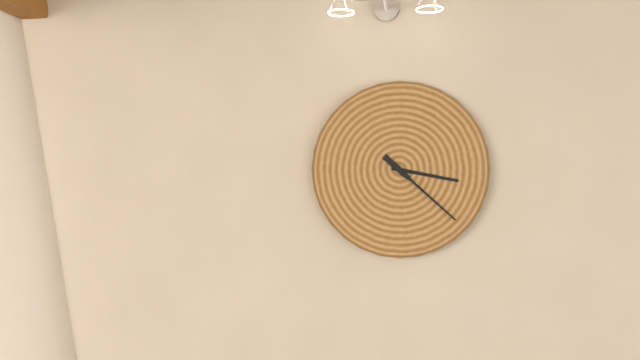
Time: {"hour": 3, "minute": 22}
